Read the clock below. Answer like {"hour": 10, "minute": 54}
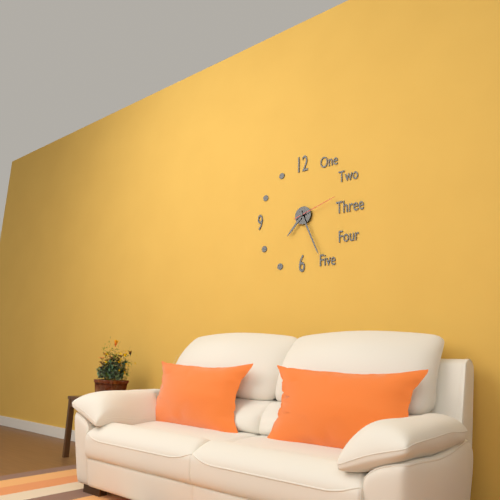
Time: {"hour": 7, "minute": 26}
